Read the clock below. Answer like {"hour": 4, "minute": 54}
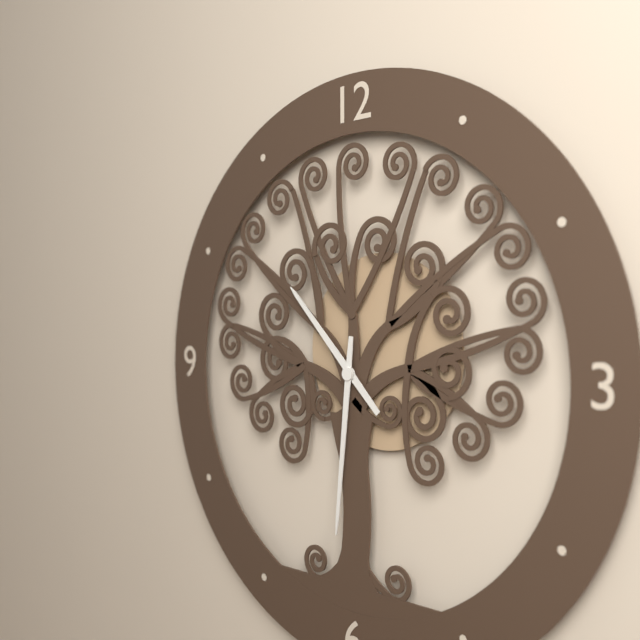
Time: {"hour": 10, "minute": 31}
